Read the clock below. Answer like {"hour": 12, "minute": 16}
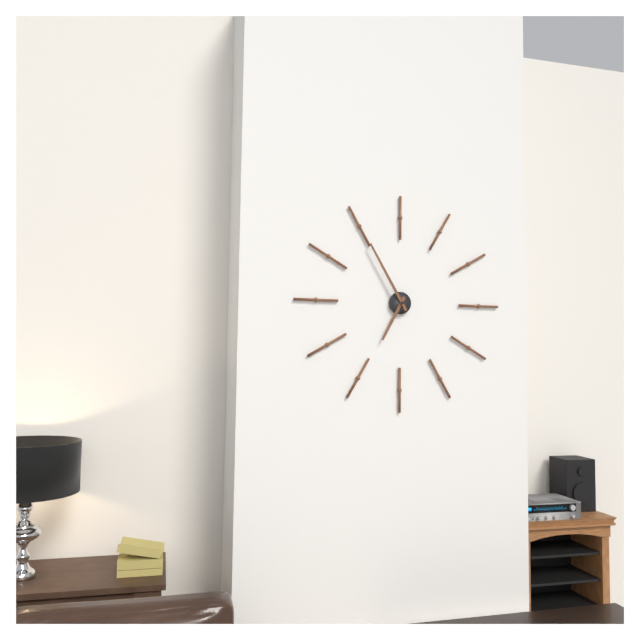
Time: {"hour": 6, "minute": 55}
